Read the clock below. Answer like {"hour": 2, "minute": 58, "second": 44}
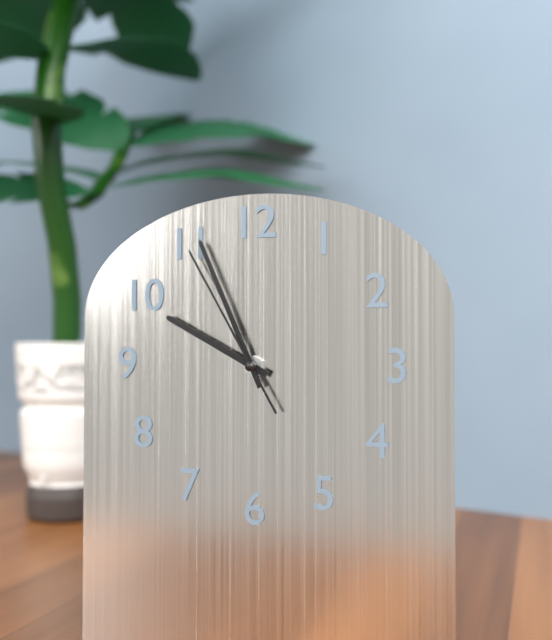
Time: {"hour": 9, "minute": 56, "second": 55}
